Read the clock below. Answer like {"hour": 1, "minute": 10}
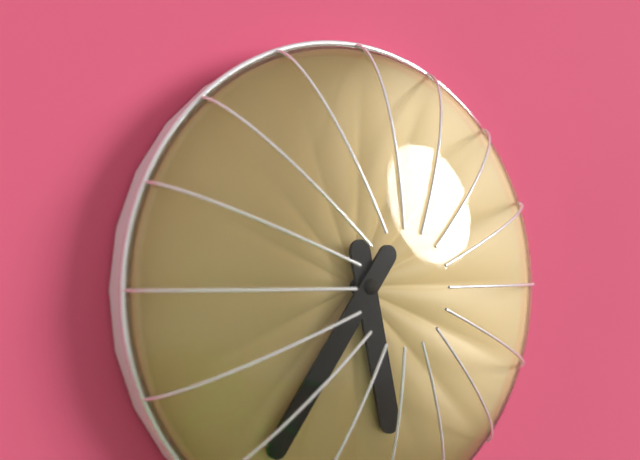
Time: {"hour": 5, "minute": 36}
